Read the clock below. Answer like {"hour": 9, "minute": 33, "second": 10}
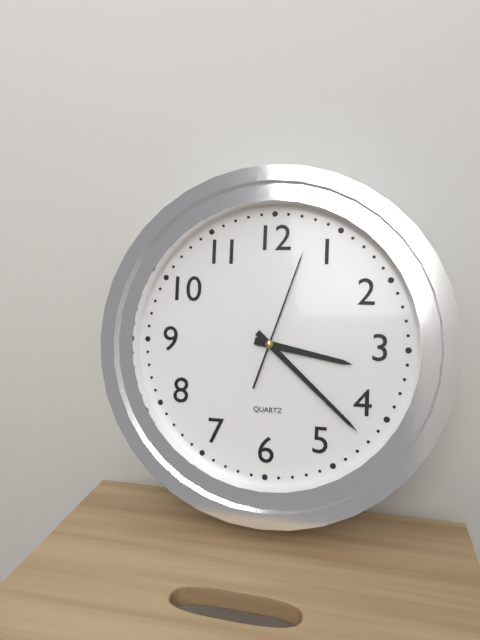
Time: {"hour": 3, "minute": 22, "second": 3}
